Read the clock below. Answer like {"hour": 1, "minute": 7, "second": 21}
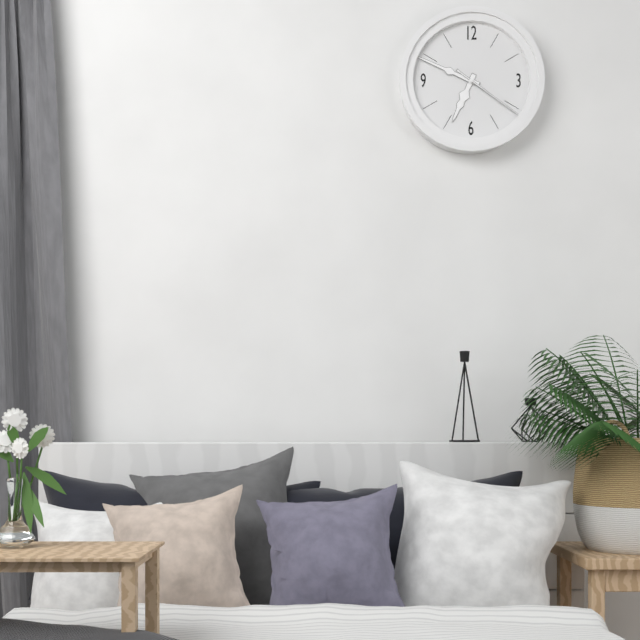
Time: {"hour": 6, "minute": 49, "second": 21}
